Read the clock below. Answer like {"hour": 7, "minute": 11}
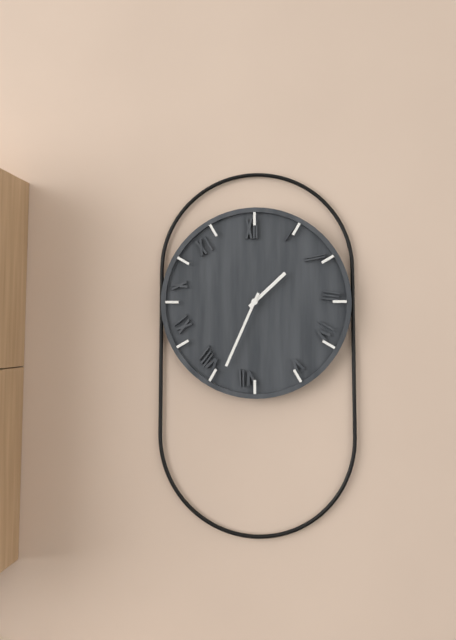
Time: {"hour": 1, "minute": 34}
